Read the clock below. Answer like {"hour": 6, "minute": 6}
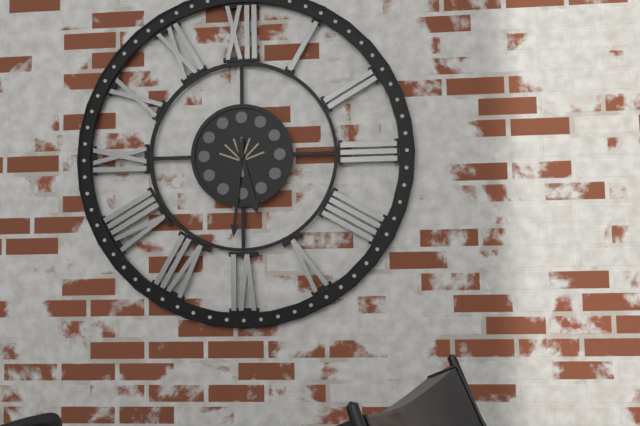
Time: {"hour": 5, "minute": 31}
